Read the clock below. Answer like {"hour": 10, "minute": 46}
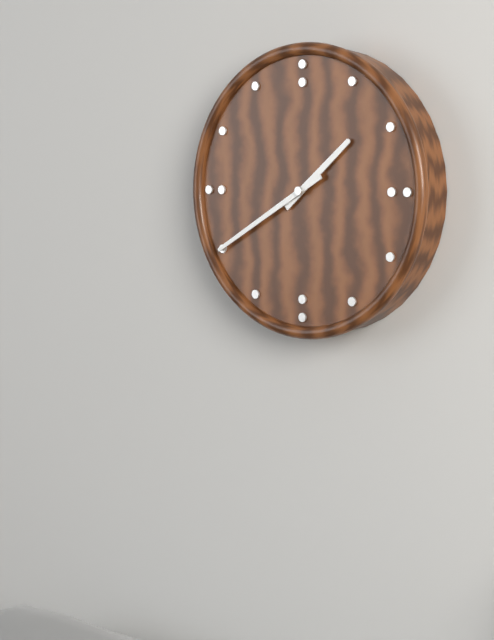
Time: {"hour": 1, "minute": 40}
